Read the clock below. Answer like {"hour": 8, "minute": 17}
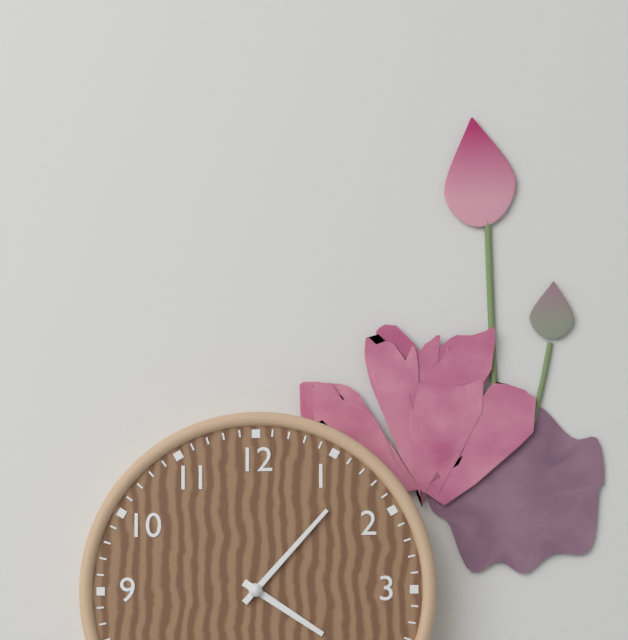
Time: {"hour": 4, "minute": 7}
